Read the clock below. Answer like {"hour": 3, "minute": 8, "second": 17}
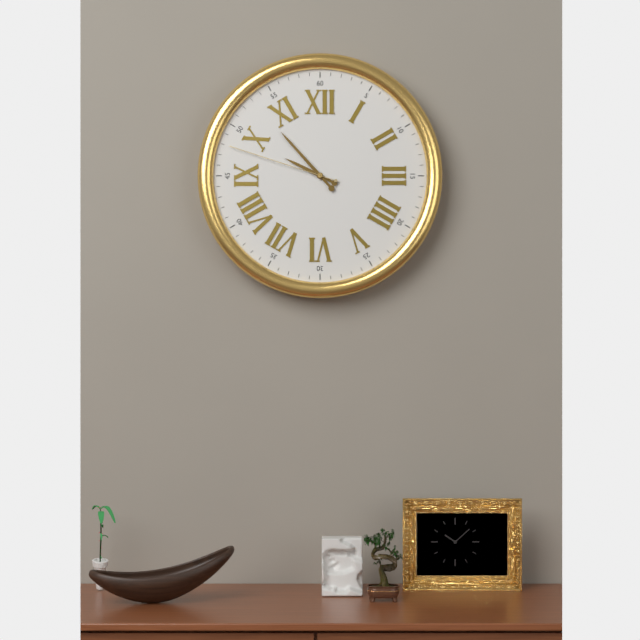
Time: {"hour": 9, "minute": 53, "second": 48}
